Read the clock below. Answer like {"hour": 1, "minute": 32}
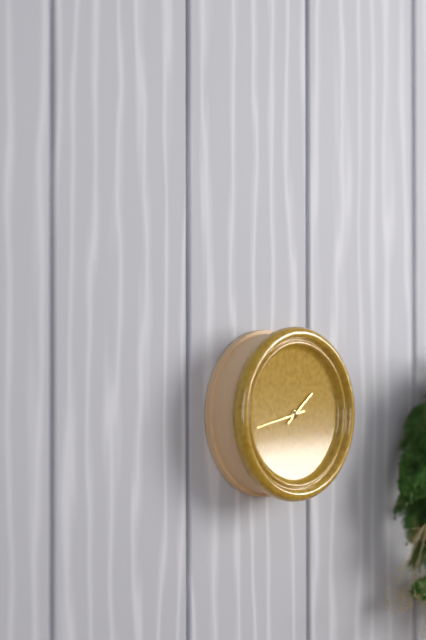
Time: {"hour": 1, "minute": 43}
